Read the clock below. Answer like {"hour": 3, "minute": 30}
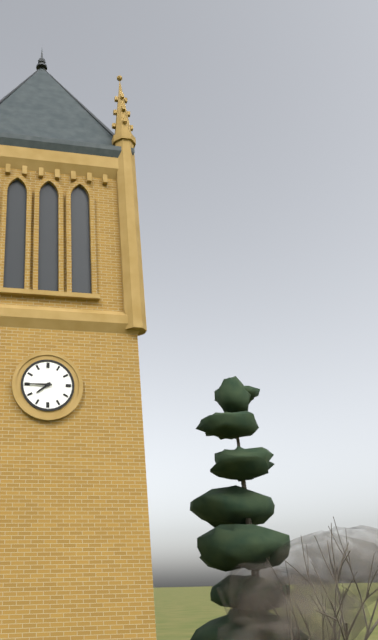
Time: {"hour": 7, "minute": 45}
